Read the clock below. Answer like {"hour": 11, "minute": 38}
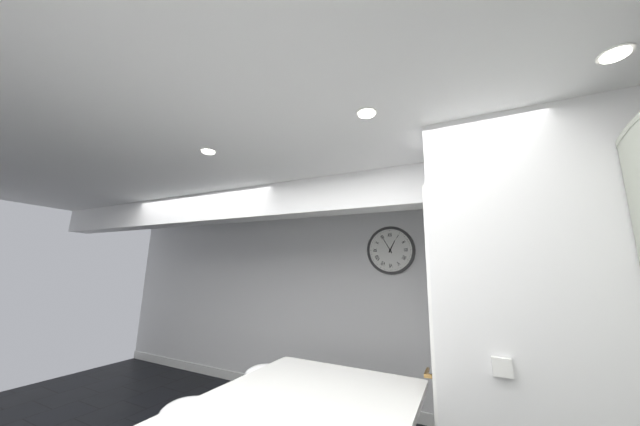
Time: {"hour": 12, "minute": 55}
